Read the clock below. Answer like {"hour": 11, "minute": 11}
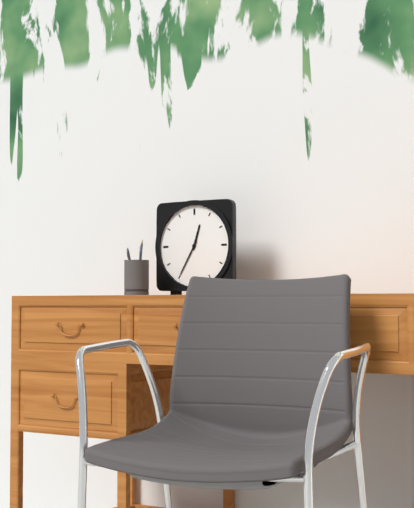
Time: {"hour": 12, "minute": 35}
